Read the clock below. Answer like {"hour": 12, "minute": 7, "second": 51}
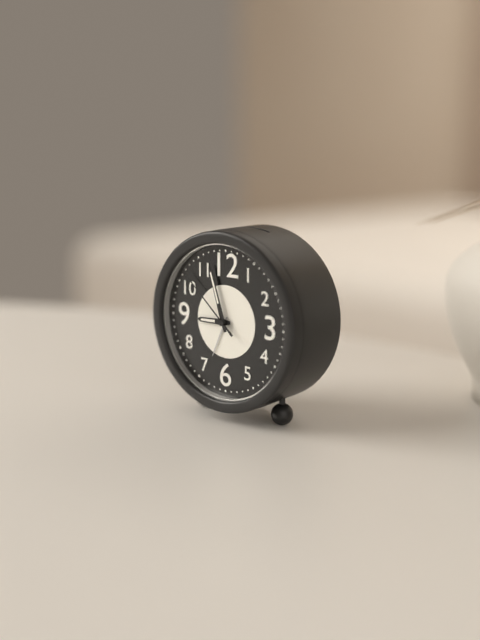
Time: {"hour": 8, "minute": 57, "second": 52}
